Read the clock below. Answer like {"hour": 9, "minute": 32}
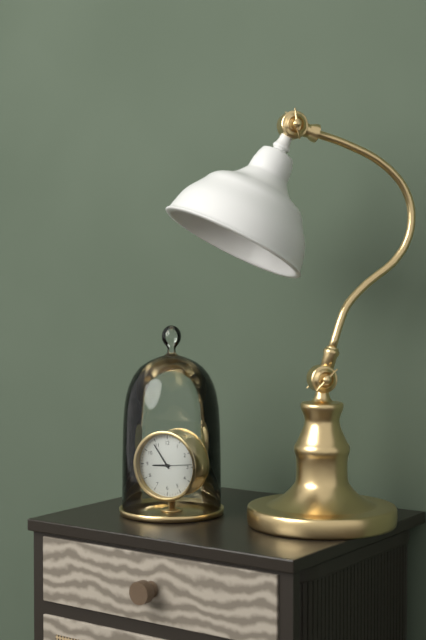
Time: {"hour": 8, "minute": 54}
